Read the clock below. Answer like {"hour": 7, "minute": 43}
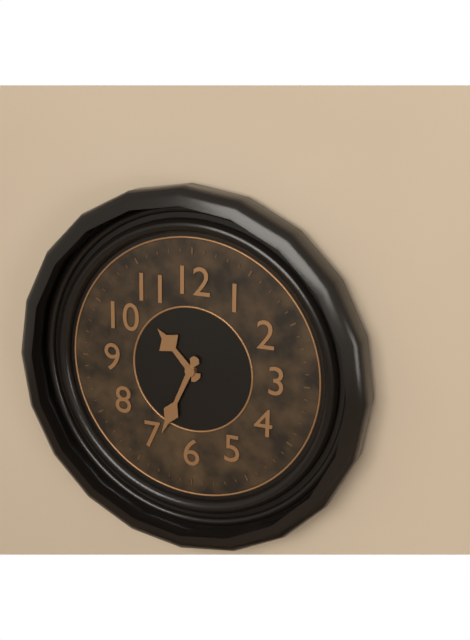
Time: {"hour": 10, "minute": 34}
